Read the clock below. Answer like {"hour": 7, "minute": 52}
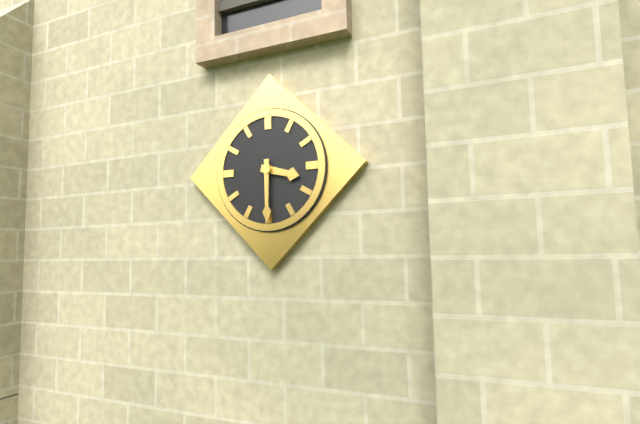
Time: {"hour": 3, "minute": 30}
